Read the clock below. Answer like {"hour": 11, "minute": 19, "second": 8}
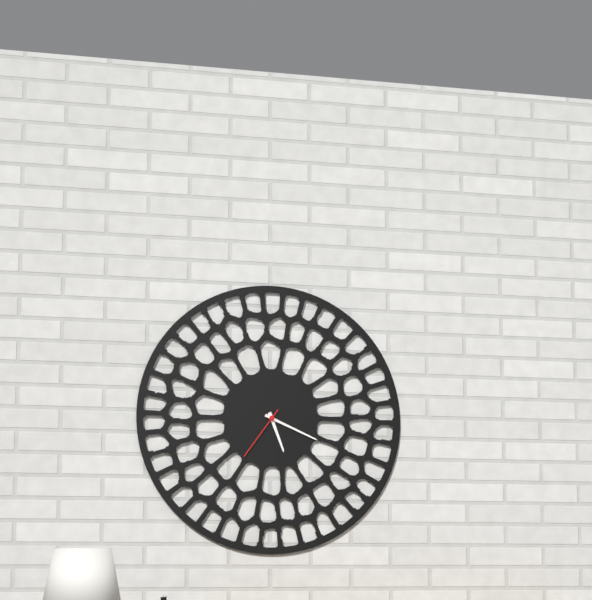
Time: {"hour": 5, "minute": 19, "second": 36}
